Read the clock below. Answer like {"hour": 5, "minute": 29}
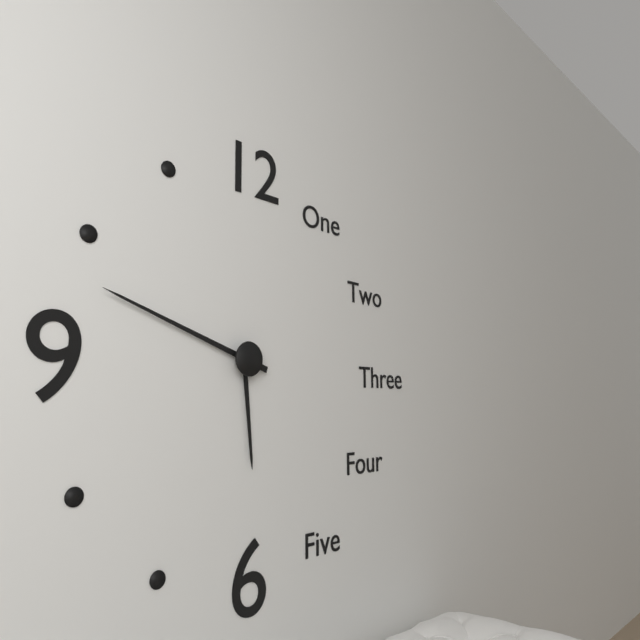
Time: {"hour": 5, "minute": 48}
